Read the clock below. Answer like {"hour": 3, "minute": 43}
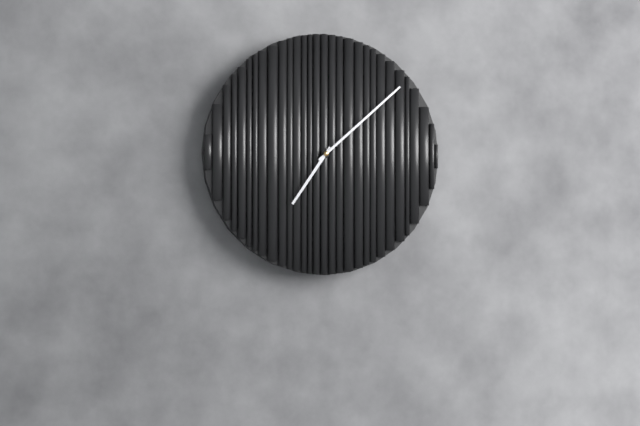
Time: {"hour": 7, "minute": 8}
